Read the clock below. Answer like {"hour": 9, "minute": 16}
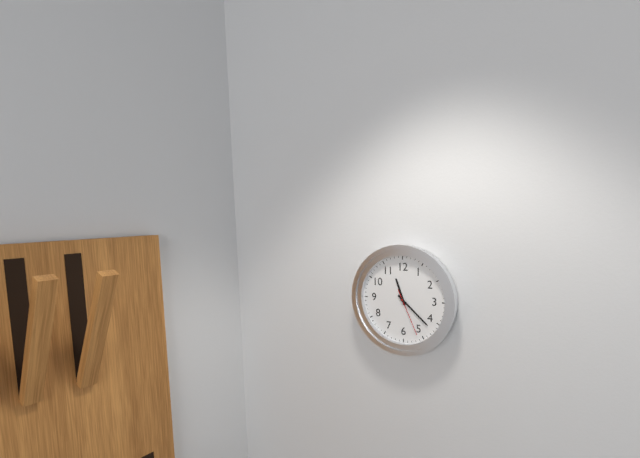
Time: {"hour": 11, "minute": 22}
